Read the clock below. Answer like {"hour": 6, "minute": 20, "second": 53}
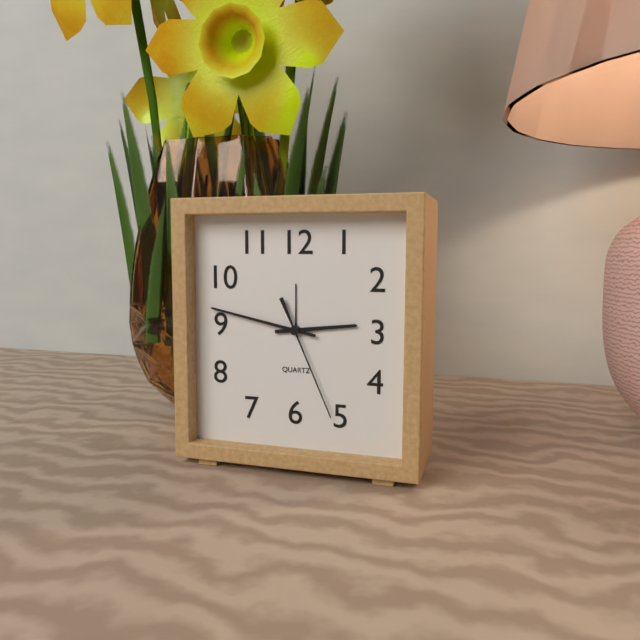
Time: {"hour": 2, "minute": 47, "second": 26}
